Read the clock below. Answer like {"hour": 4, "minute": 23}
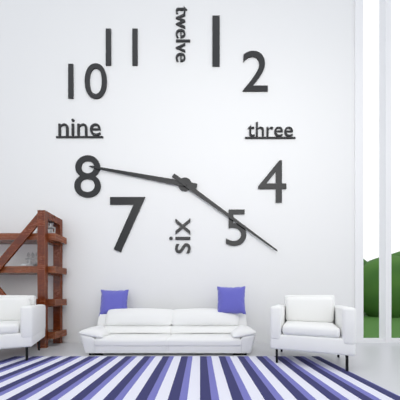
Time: {"hour": 9, "minute": 21}
